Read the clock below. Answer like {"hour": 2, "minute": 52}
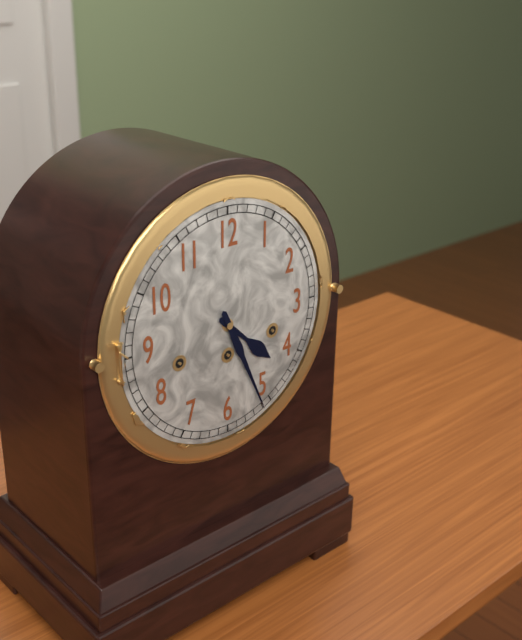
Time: {"hour": 4, "minute": 26}
